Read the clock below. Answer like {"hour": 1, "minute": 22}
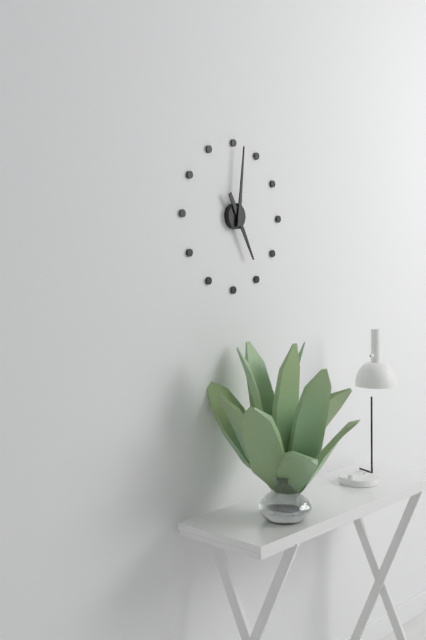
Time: {"hour": 5, "minute": 1}
